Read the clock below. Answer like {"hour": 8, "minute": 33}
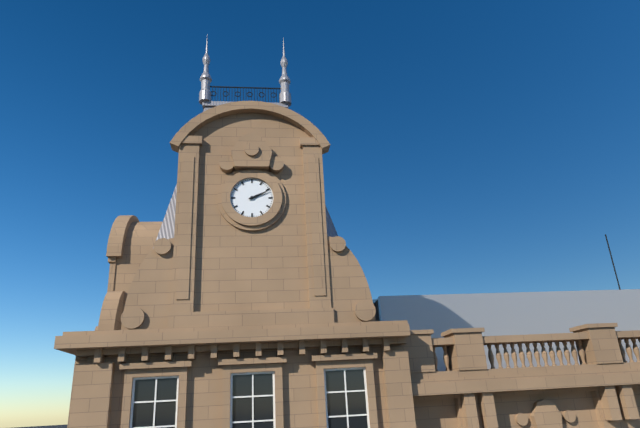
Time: {"hour": 2, "minute": 11}
